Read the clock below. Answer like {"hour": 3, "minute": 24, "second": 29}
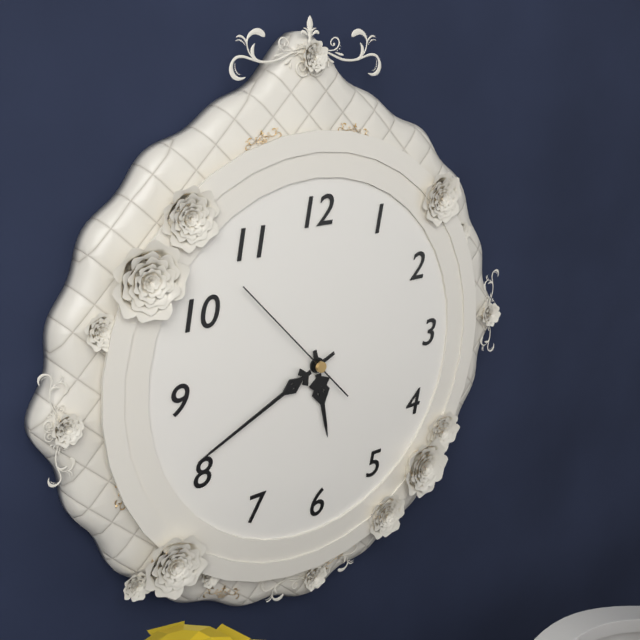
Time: {"hour": 5, "minute": 41, "second": 53}
